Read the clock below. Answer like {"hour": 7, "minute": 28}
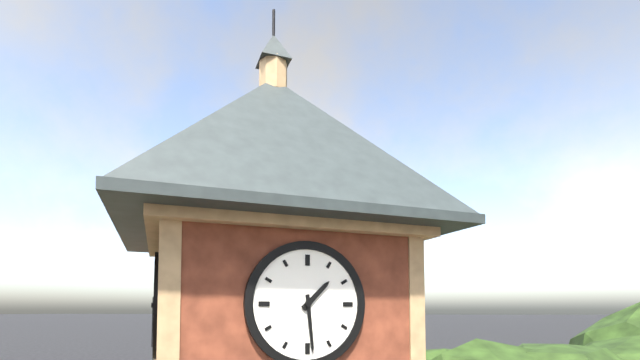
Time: {"hour": 1, "minute": 29}
